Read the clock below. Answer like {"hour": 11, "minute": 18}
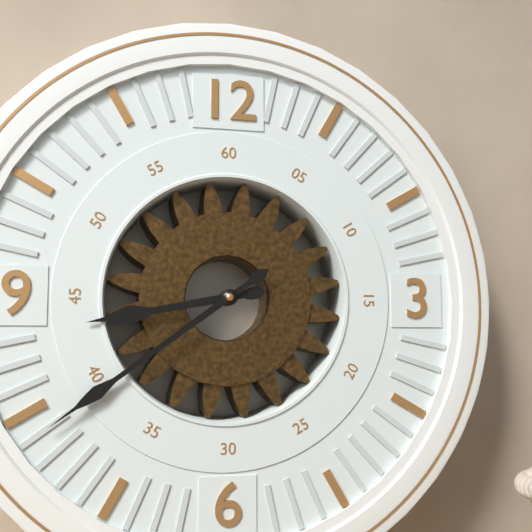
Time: {"hour": 8, "minute": 39}
